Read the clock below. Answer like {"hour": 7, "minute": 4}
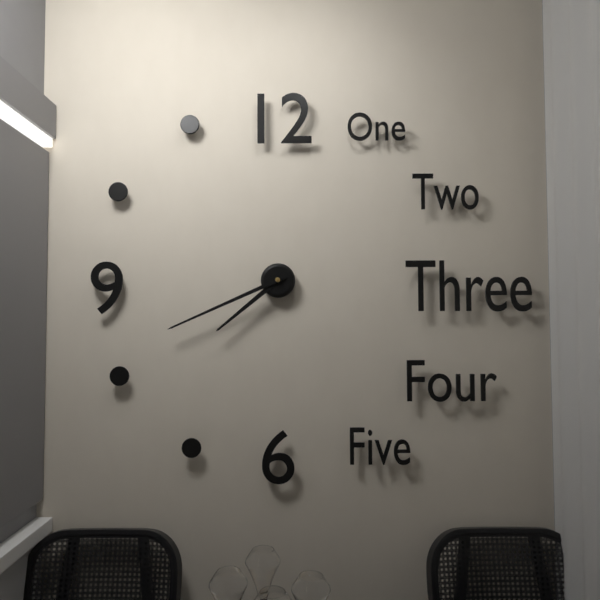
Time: {"hour": 7, "minute": 41}
